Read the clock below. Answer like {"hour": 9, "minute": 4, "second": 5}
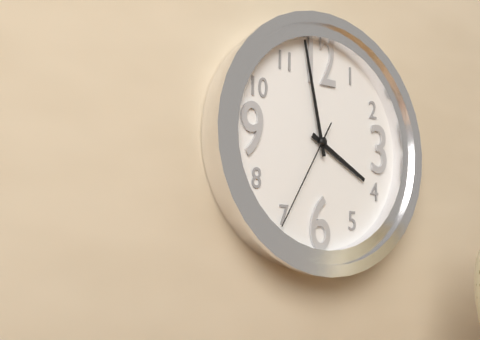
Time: {"hour": 3, "minute": 58, "second": 35}
